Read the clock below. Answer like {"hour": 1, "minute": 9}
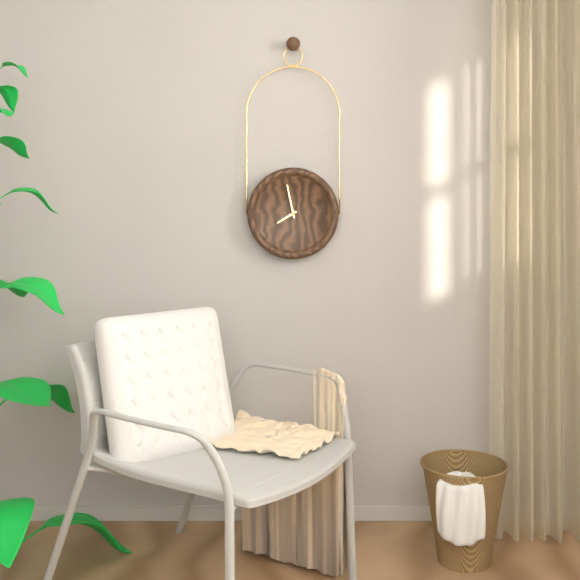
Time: {"hour": 7, "minute": 58}
